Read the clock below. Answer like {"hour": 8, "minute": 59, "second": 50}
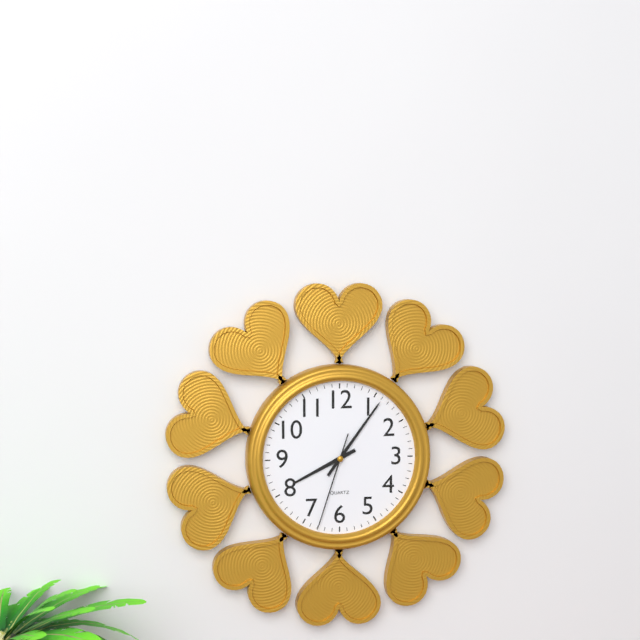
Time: {"hour": 8, "minute": 6, "second": 33}
